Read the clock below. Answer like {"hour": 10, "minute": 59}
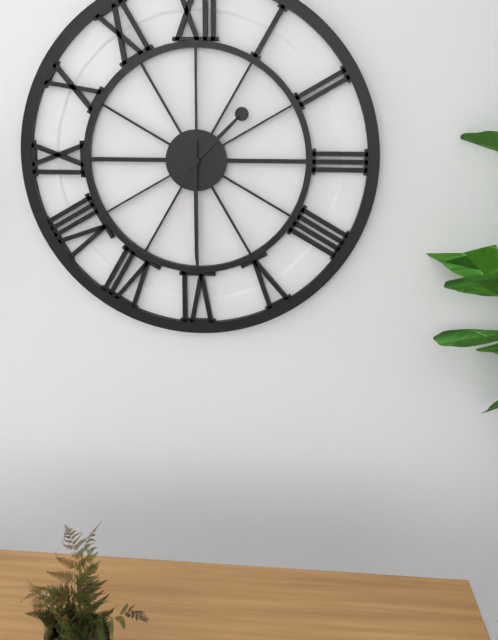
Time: {"hour": 1, "minute": 30}
